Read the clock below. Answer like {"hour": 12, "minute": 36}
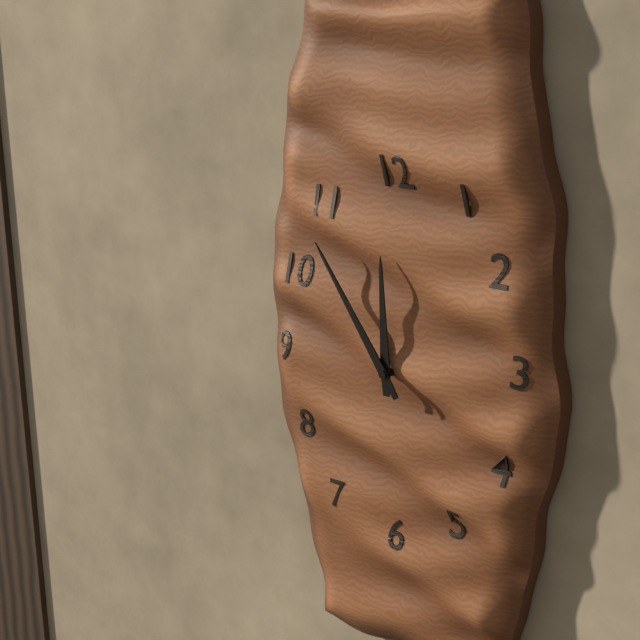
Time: {"hour": 11, "minute": 54}
